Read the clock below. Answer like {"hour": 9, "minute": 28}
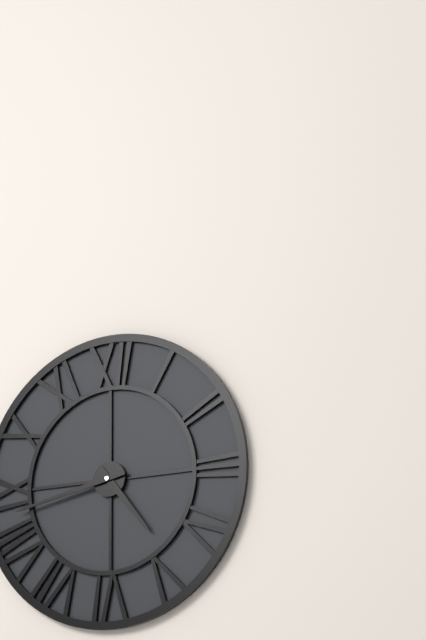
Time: {"hour": 4, "minute": 43}
